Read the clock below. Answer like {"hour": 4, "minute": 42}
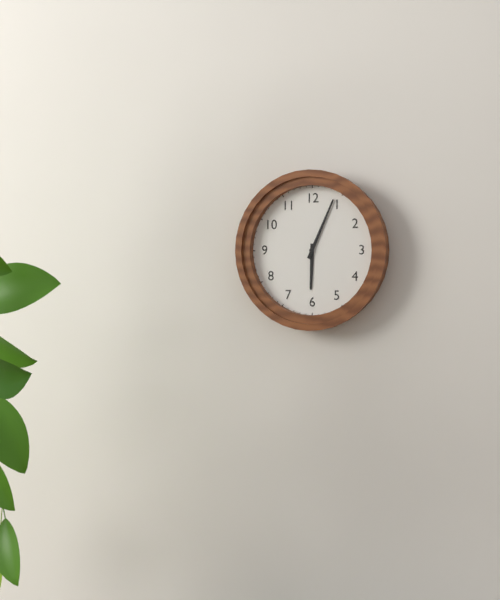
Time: {"hour": 6, "minute": 4}
